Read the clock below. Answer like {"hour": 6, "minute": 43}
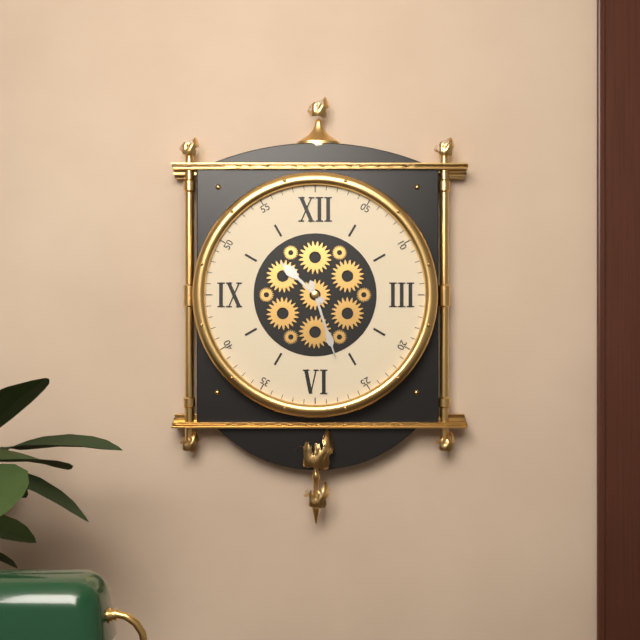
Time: {"hour": 10, "minute": 27}
